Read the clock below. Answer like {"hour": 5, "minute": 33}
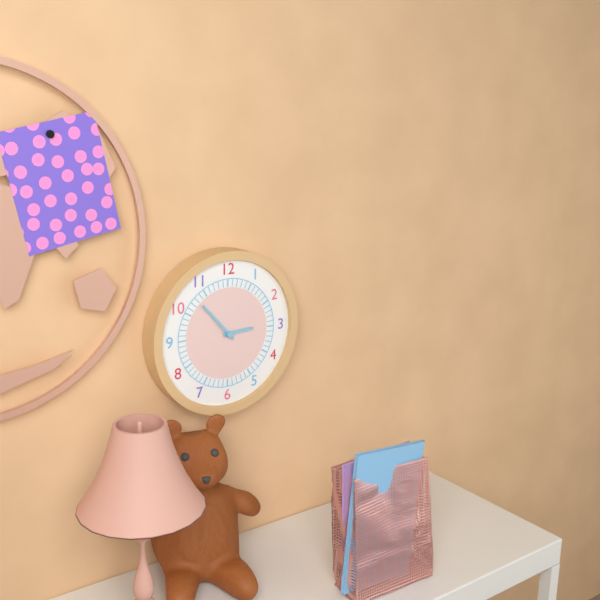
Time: {"hour": 2, "minute": 53}
